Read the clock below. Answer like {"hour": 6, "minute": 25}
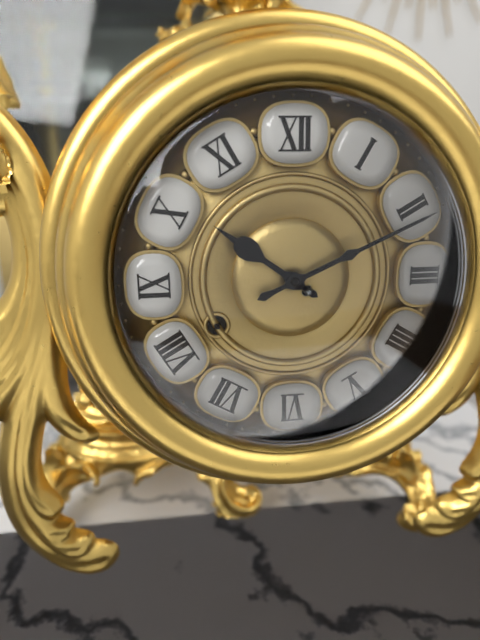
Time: {"hour": 10, "minute": 11}
